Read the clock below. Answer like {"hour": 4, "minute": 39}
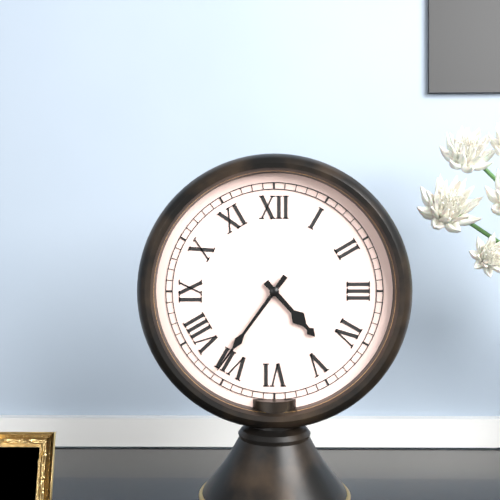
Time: {"hour": 4, "minute": 36}
